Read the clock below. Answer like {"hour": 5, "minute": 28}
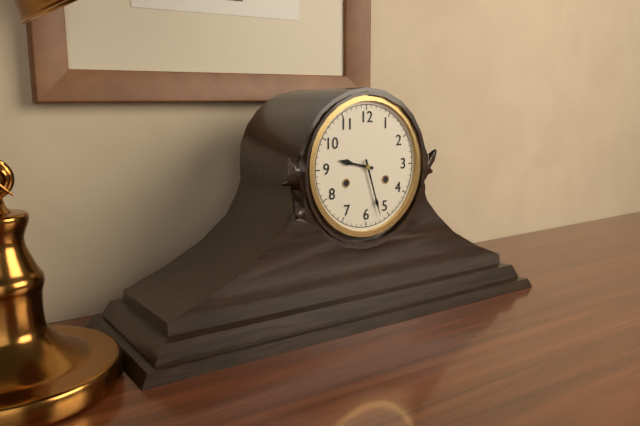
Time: {"hour": 9, "minute": 27}
